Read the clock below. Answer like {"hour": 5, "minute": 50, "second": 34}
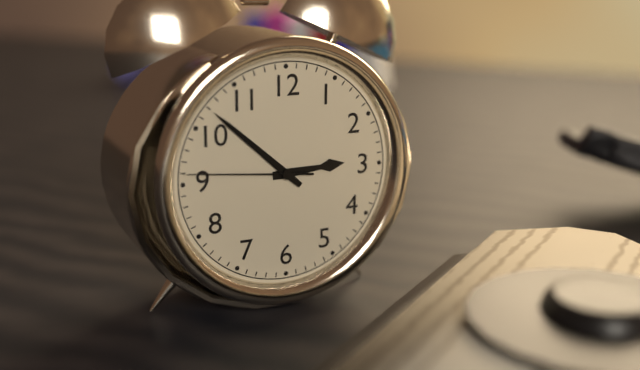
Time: {"hour": 2, "minute": 52, "second": 46}
